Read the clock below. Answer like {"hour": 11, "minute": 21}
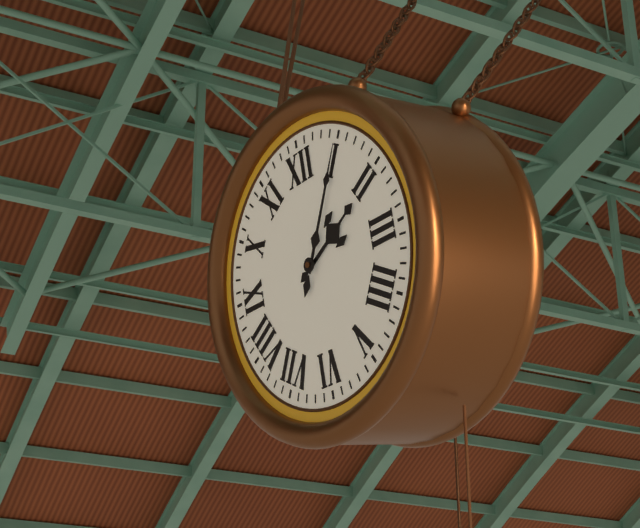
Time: {"hour": 2, "minute": 5}
